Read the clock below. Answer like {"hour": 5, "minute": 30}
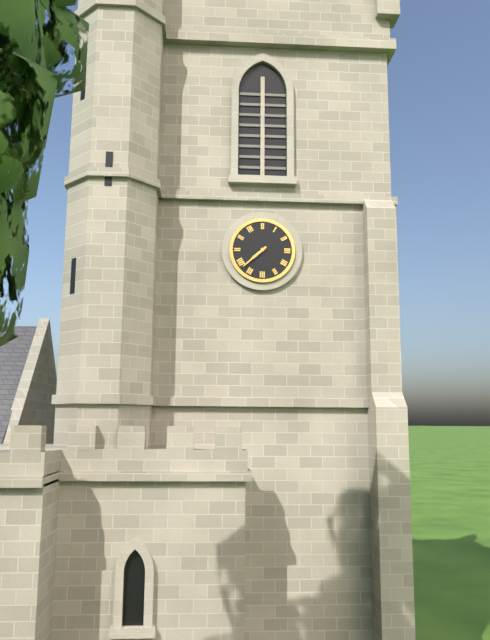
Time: {"hour": 7, "minute": 38}
